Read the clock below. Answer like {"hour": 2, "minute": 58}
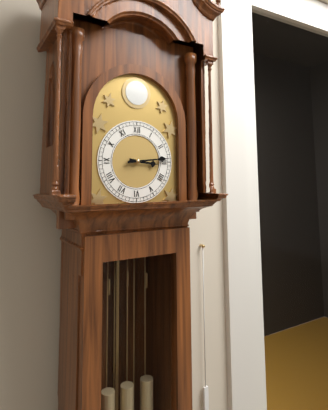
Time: {"hour": 3, "minute": 14}
